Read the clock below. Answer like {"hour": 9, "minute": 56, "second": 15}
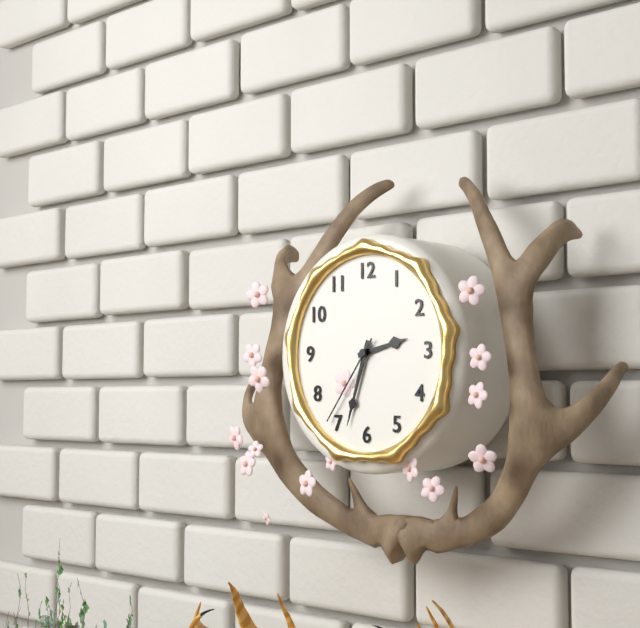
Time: {"hour": 2, "minute": 33, "second": 36}
